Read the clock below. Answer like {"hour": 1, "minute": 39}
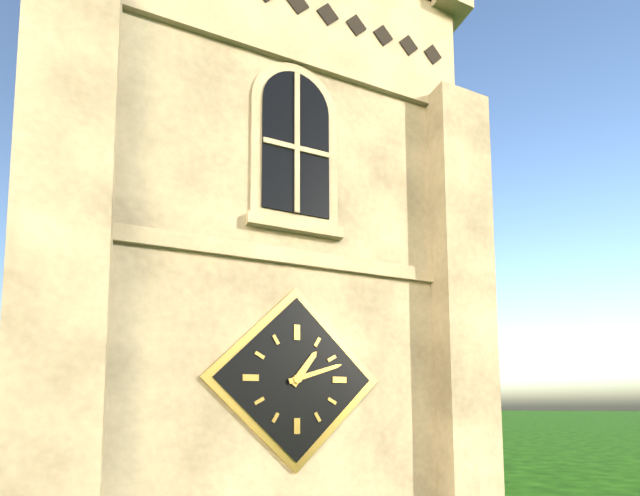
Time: {"hour": 1, "minute": 12}
